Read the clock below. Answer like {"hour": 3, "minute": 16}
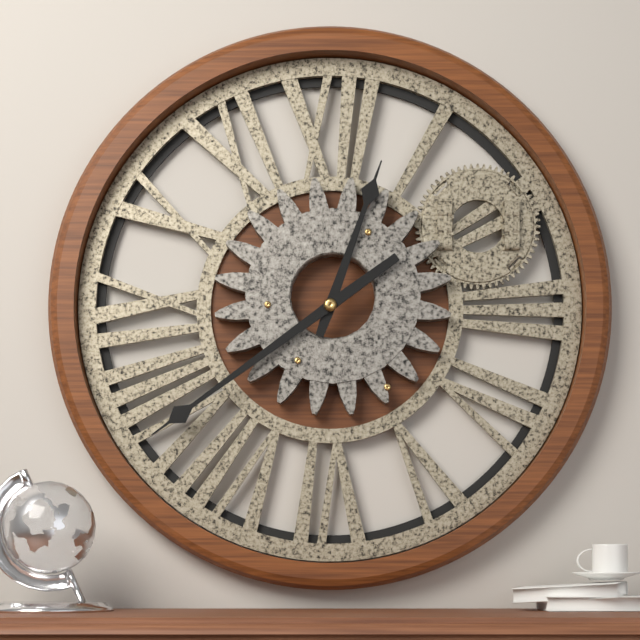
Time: {"hour": 12, "minute": 39}
